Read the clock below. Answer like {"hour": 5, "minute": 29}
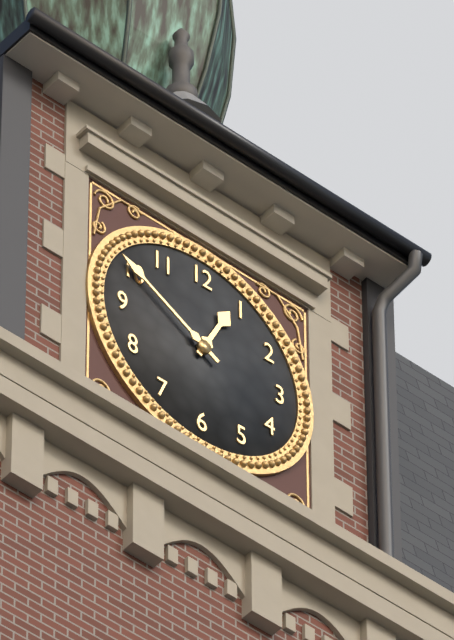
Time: {"hour": 12, "minute": 50}
